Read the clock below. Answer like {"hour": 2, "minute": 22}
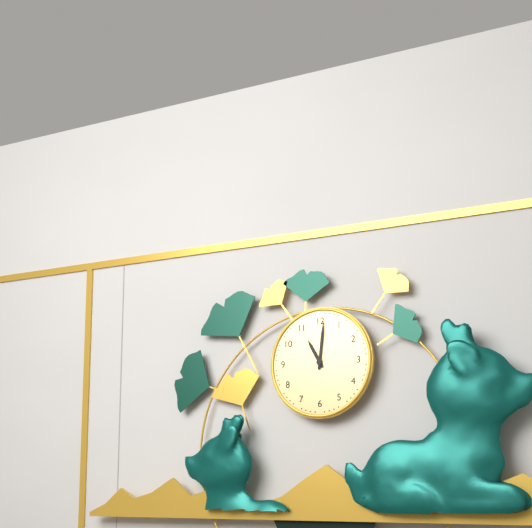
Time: {"hour": 11, "minute": 1}
